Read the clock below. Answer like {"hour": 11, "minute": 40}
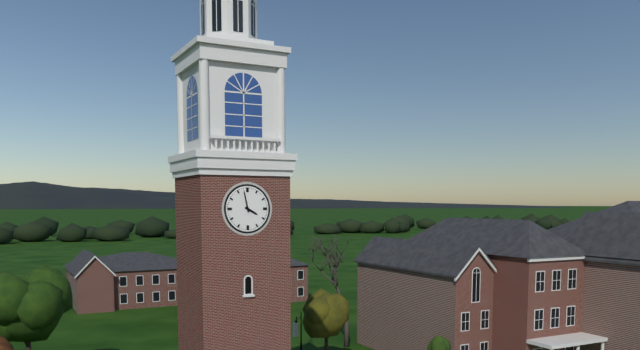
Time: {"hour": 3, "minute": 58}
